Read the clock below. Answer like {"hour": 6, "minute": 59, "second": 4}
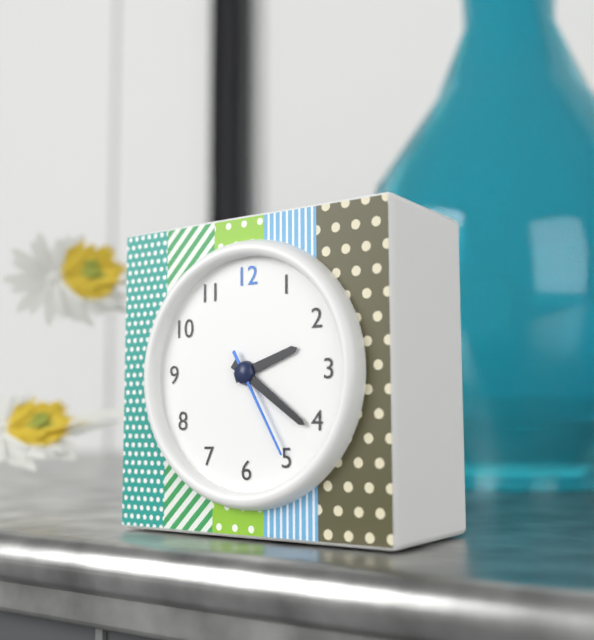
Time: {"hour": 2, "minute": 21, "second": 25}
